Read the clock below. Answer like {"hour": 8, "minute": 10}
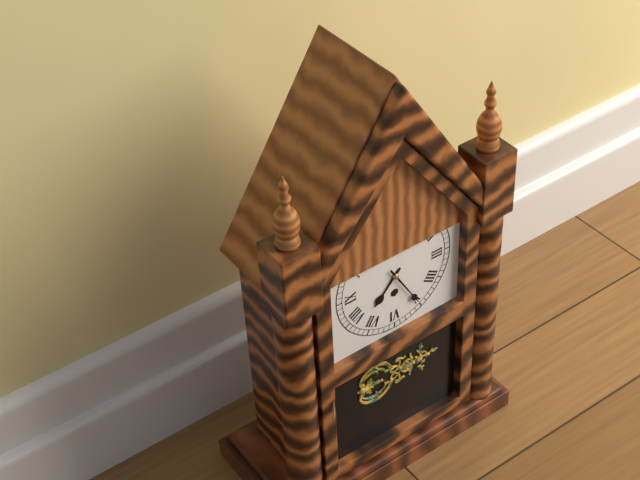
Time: {"hour": 7, "minute": 25}
